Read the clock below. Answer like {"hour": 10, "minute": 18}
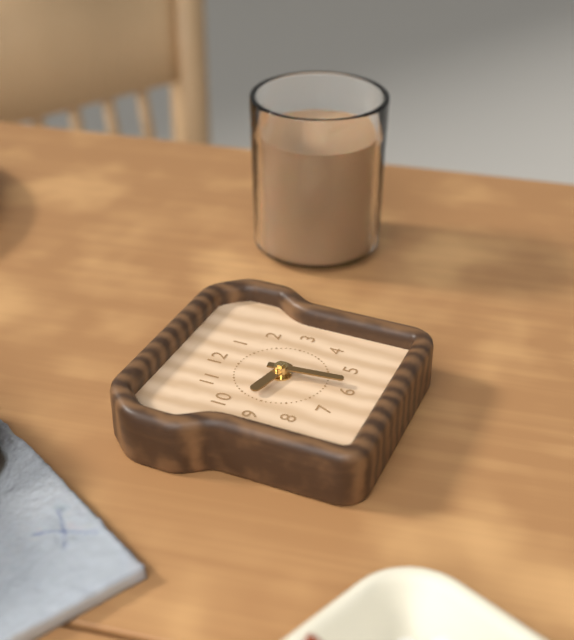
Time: {"hour": 9, "minute": 29}
